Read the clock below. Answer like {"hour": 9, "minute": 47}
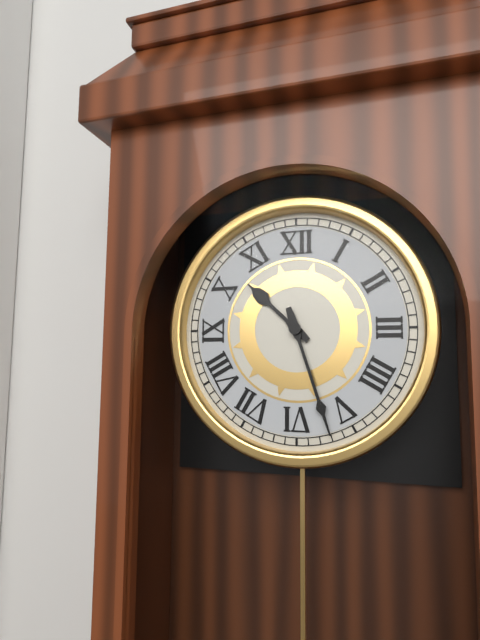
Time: {"hour": 10, "minute": 27}
